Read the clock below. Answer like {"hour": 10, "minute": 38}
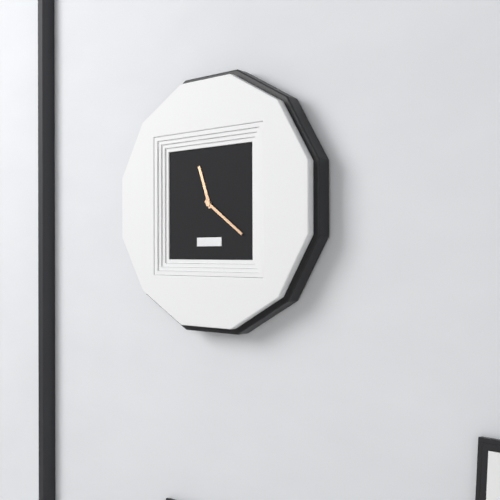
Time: {"hour": 11, "minute": 21}
